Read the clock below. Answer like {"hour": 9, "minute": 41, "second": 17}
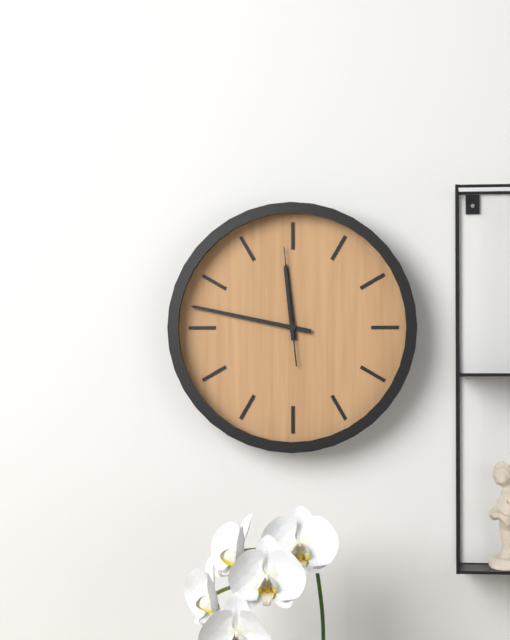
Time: {"hour": 11, "minute": 47, "second": 59}
